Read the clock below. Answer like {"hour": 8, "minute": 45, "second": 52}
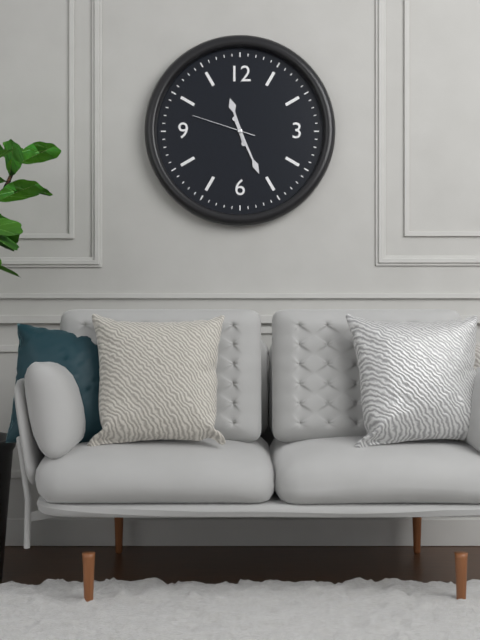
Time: {"hour": 11, "minute": 26, "second": 48}
